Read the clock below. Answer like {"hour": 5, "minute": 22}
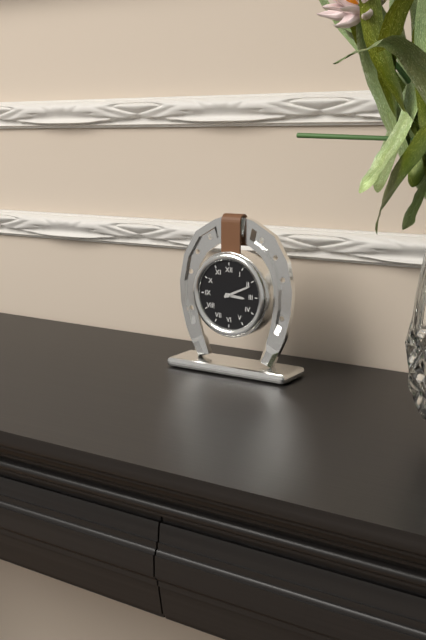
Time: {"hour": 3, "minute": 11}
